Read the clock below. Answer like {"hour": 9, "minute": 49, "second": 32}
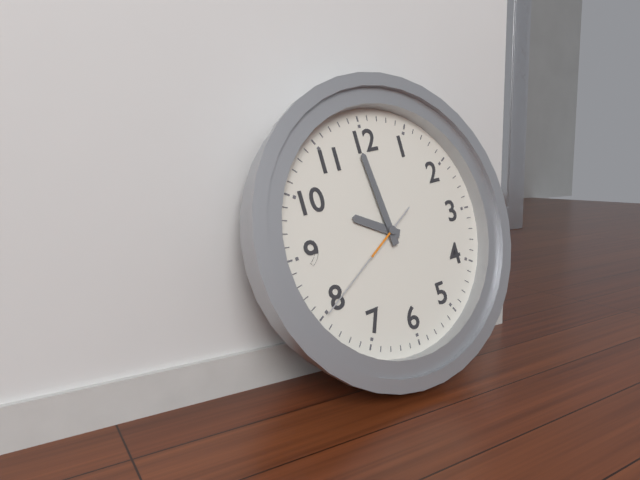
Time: {"hour": 9, "minute": 59, "second": 40}
